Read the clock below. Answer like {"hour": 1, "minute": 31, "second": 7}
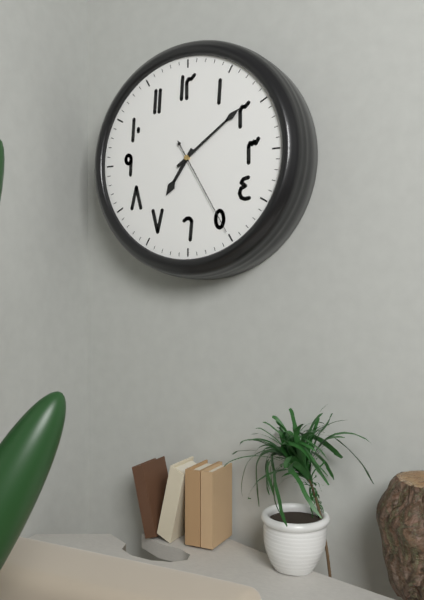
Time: {"hour": 7, "minute": 9, "second": 25}
